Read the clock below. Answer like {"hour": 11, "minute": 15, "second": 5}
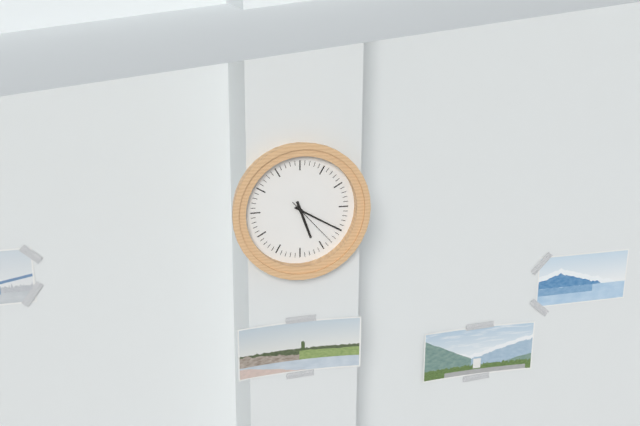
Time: {"hour": 5, "minute": 20, "second": 23}
